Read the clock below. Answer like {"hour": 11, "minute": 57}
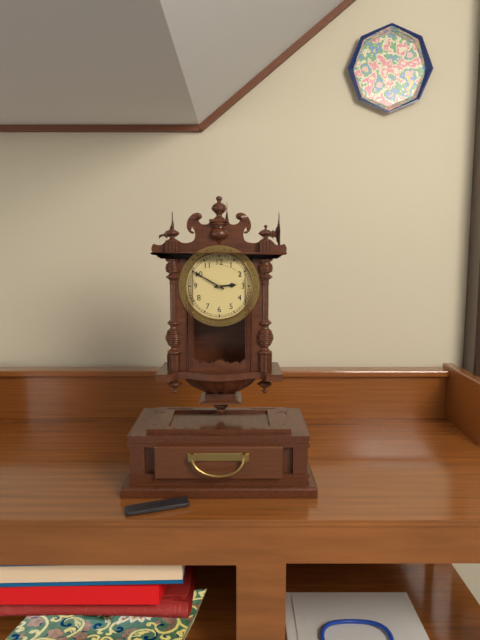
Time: {"hour": 2, "minute": 50}
